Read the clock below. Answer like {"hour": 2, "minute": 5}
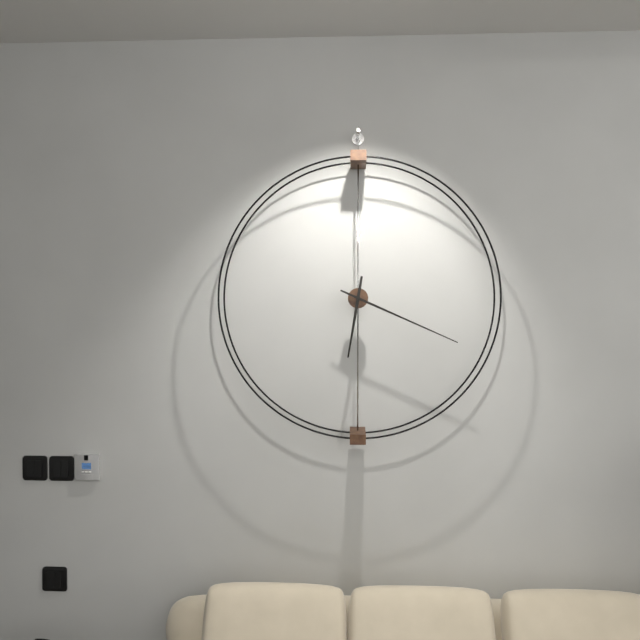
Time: {"hour": 6, "minute": 19}
